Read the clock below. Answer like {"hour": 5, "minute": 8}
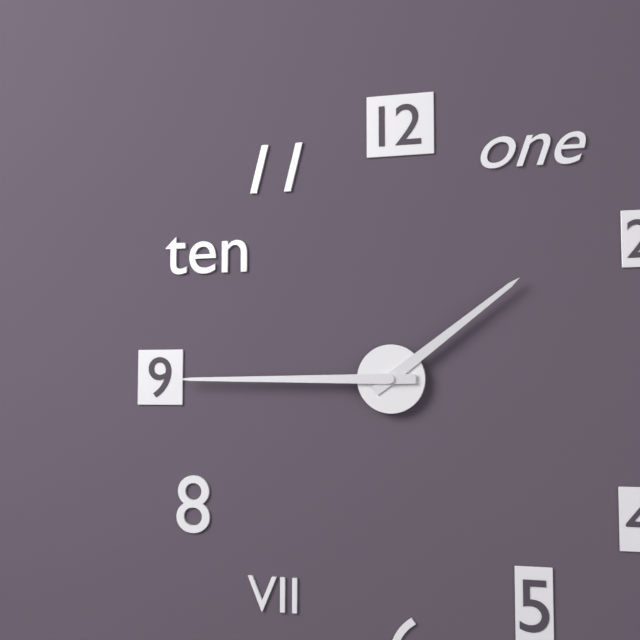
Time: {"hour": 1, "minute": 45}
